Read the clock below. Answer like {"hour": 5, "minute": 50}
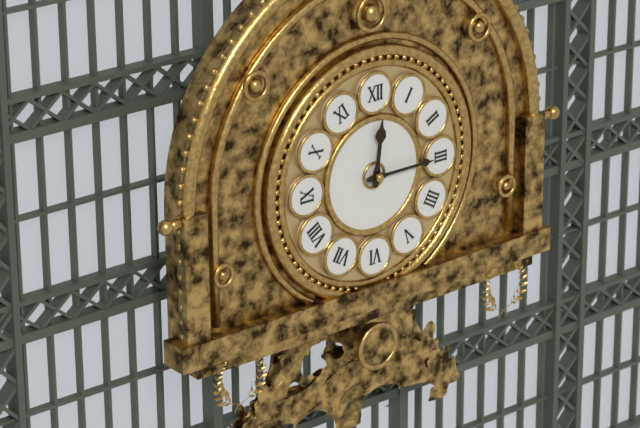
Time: {"hour": 12, "minute": 15}
